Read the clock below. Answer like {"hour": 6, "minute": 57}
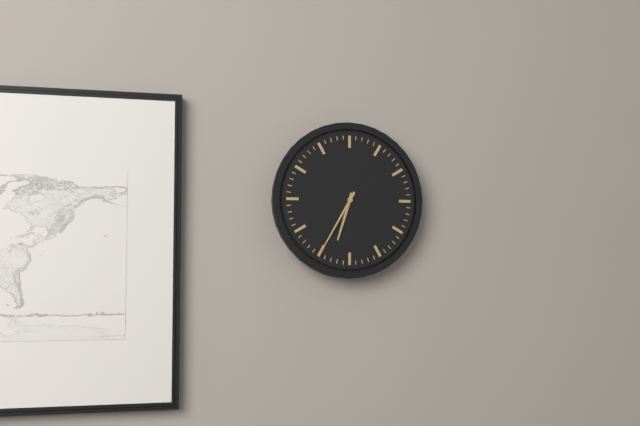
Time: {"hour": 6, "minute": 35}
